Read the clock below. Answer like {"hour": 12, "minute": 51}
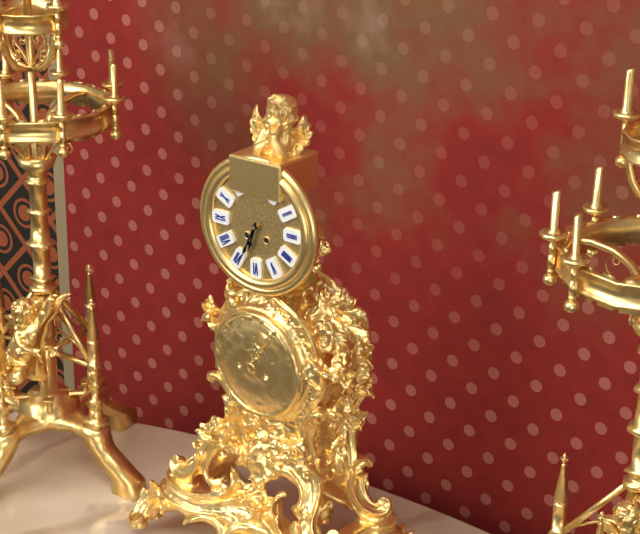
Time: {"hour": 6, "minute": 34}
